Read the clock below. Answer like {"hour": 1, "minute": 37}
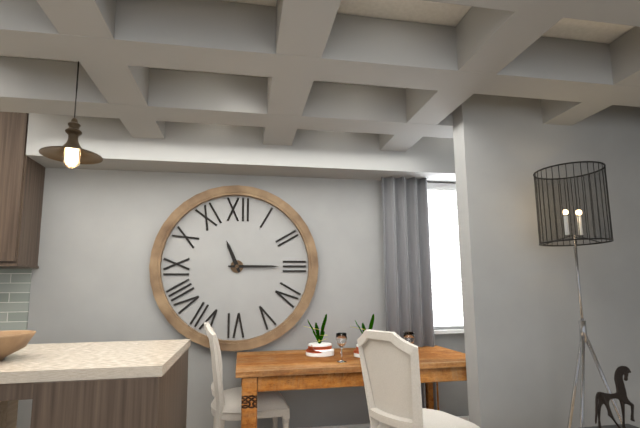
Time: {"hour": 11, "minute": 15}
